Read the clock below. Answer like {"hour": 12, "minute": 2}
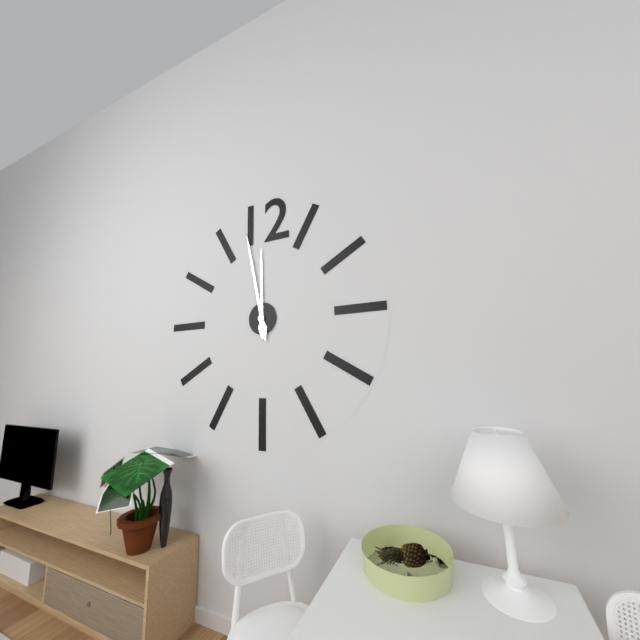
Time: {"hour": 11, "minute": 58}
